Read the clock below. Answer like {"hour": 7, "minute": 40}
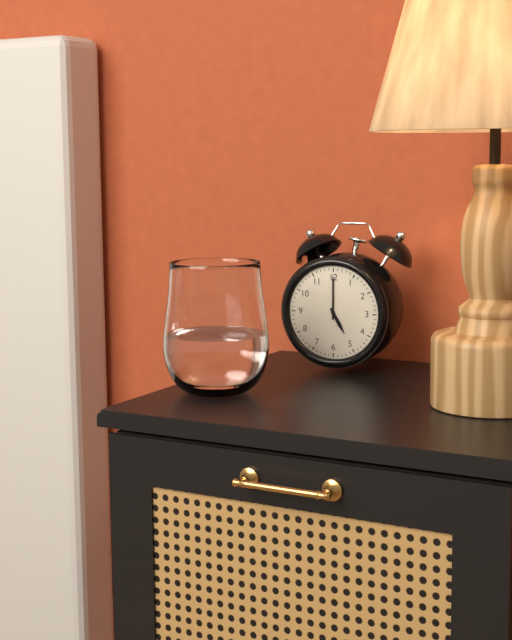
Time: {"hour": 5, "minute": 0}
